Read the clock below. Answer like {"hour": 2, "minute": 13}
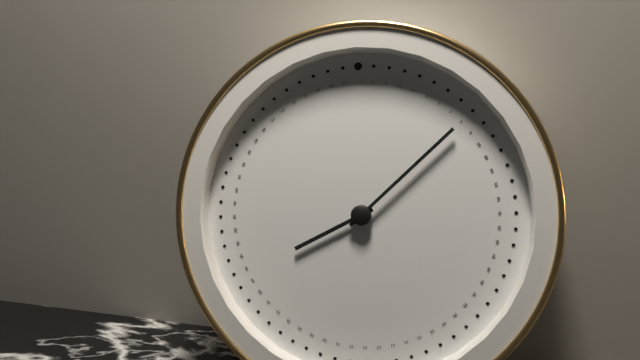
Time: {"hour": 8, "minute": 8}
